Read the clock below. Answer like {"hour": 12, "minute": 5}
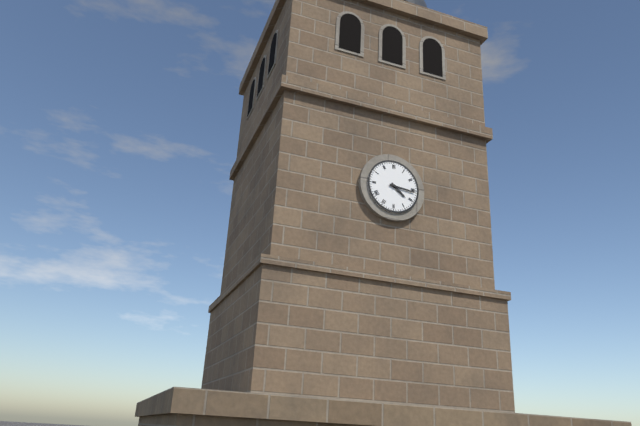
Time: {"hour": 4, "minute": 16}
